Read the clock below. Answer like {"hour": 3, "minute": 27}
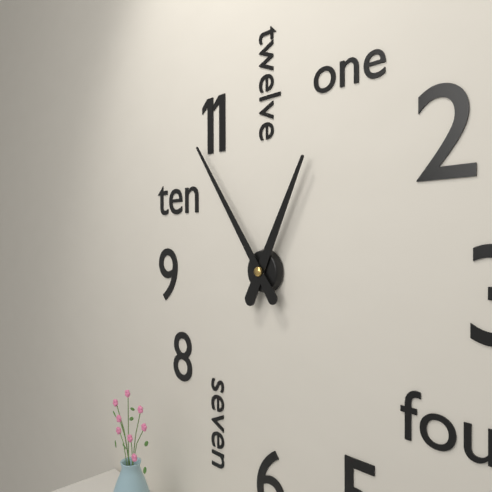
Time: {"hour": 12, "minute": 54}
